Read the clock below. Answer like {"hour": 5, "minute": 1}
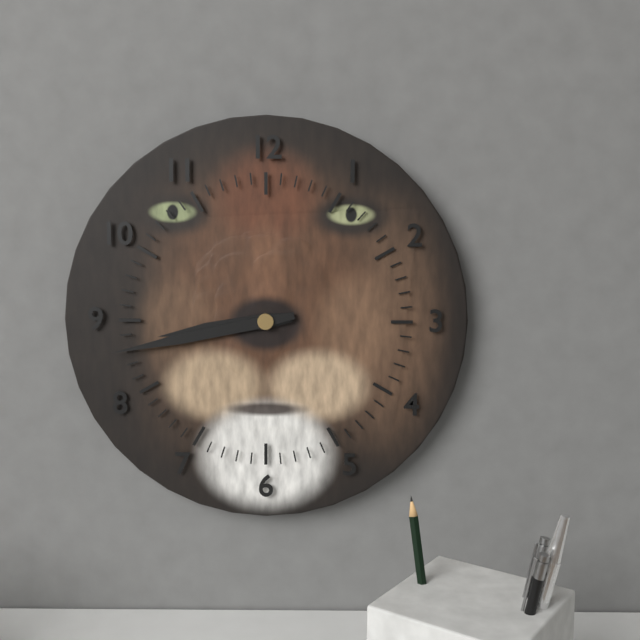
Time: {"hour": 8, "minute": 43}
